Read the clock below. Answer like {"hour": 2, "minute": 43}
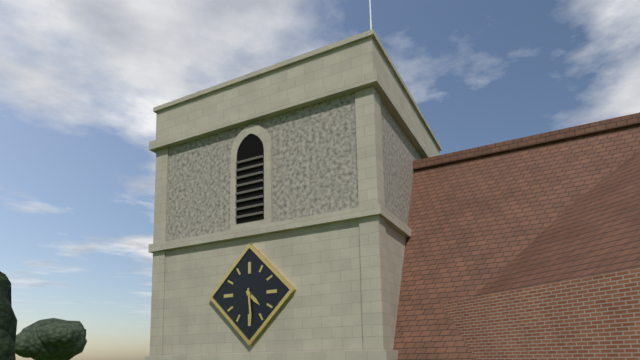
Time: {"hour": 4, "minute": 29}
